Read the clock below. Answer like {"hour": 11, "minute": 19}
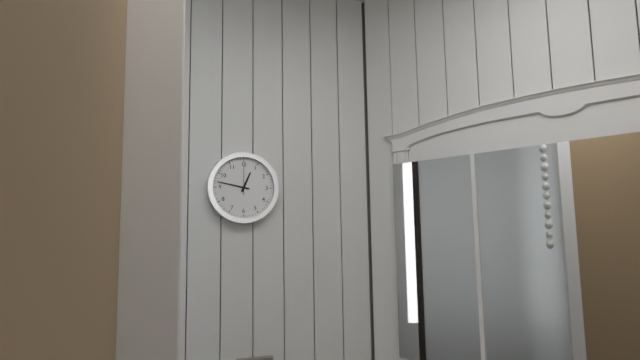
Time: {"hour": 12, "minute": 47}
